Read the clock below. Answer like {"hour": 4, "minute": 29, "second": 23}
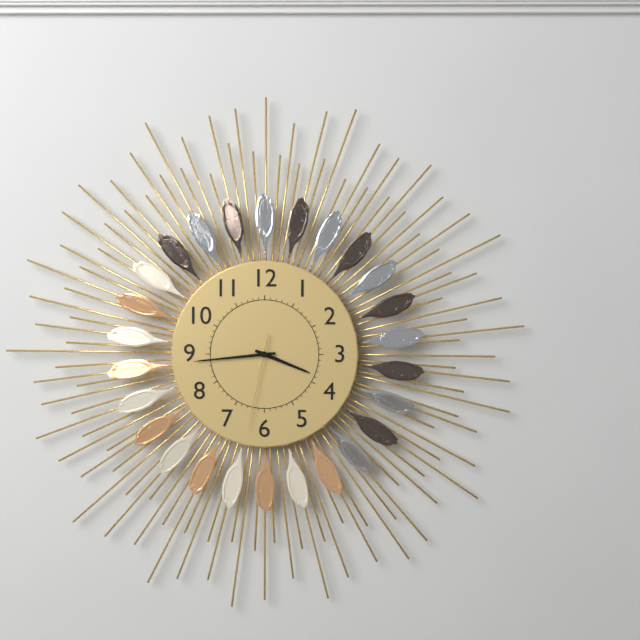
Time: {"hour": 3, "minute": 44, "second": 32}
